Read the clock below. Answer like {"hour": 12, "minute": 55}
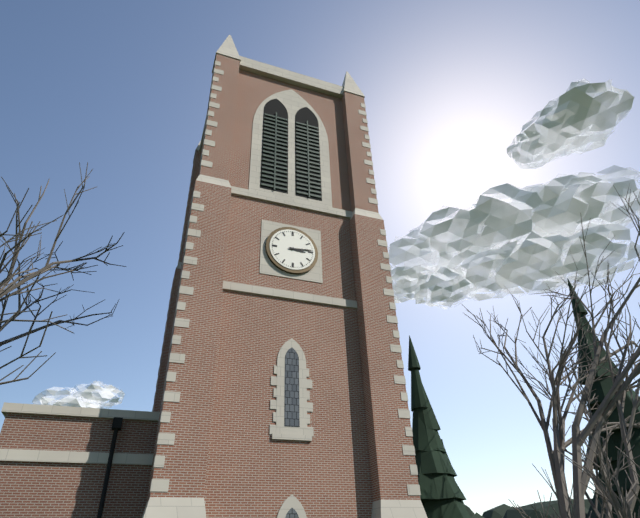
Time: {"hour": 3, "minute": 14}
